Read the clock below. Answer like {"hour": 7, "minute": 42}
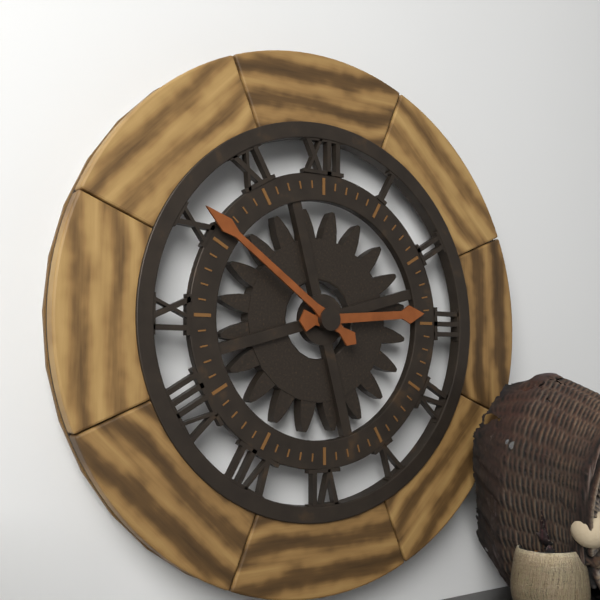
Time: {"hour": 2, "minute": 51}
